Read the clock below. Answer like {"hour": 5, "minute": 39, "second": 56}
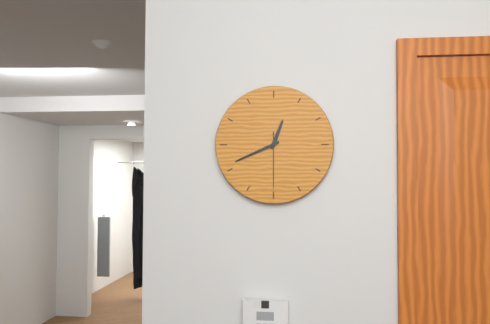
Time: {"hour": 12, "minute": 41, "second": 30}
